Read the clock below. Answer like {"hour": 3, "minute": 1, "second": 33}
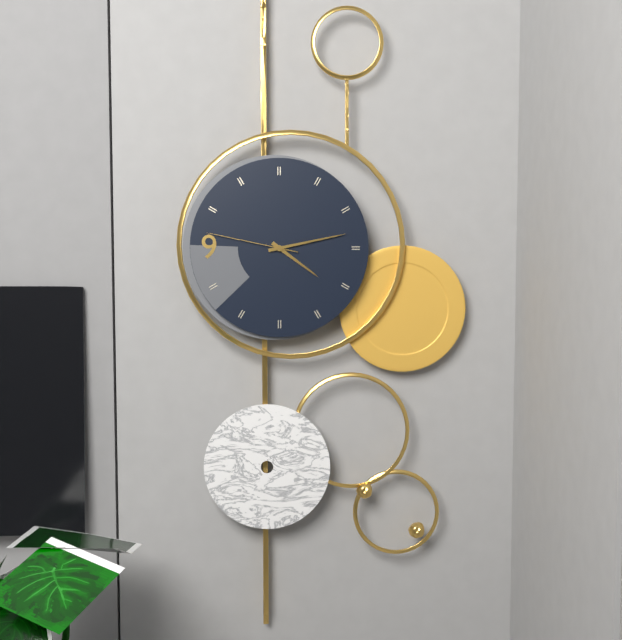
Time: {"hour": 4, "minute": 13, "second": 47}
